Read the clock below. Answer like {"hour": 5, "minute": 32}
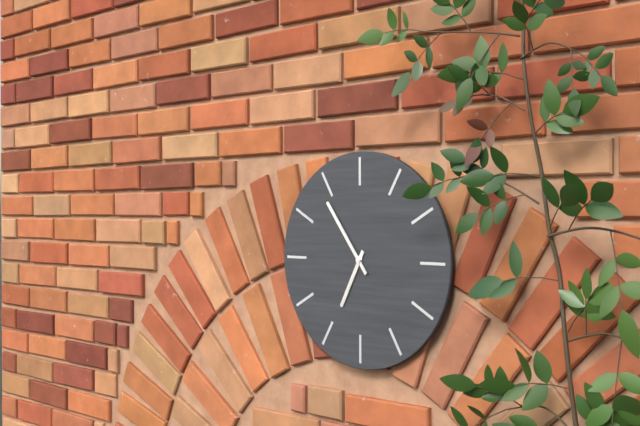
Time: {"hour": 6, "minute": 54}
